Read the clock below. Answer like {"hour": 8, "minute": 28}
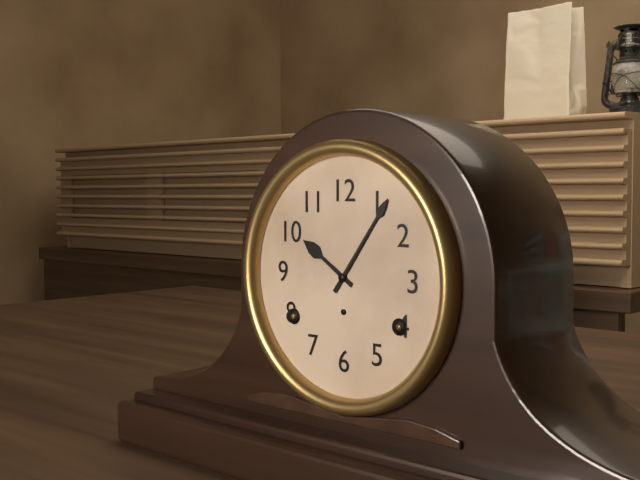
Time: {"hour": 10, "minute": 6}
